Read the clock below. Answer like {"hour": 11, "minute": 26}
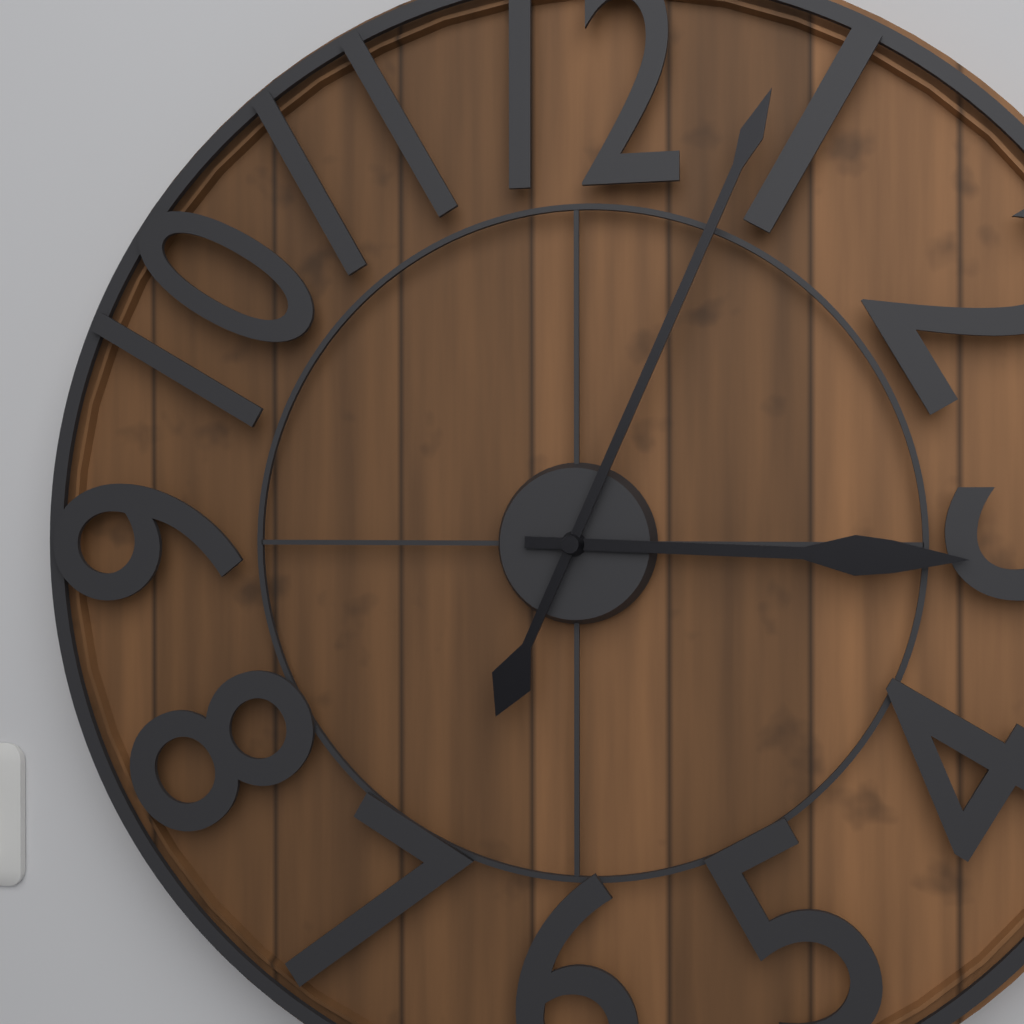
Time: {"hour": 3, "minute": 4}
